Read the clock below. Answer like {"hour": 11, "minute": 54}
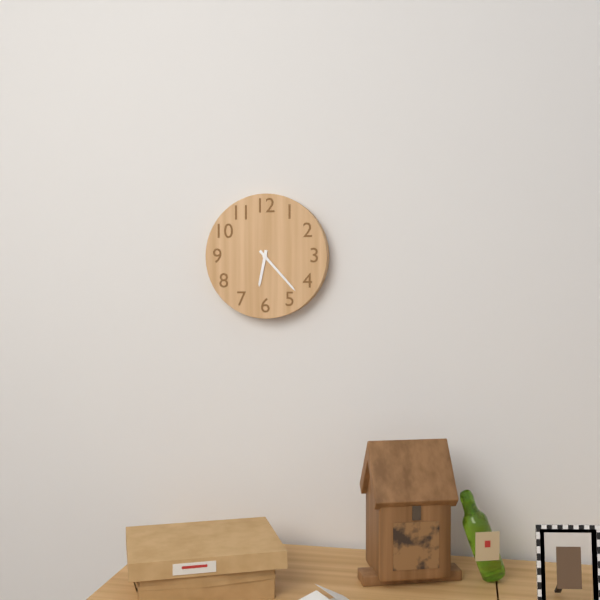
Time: {"hour": 6, "minute": 23}
